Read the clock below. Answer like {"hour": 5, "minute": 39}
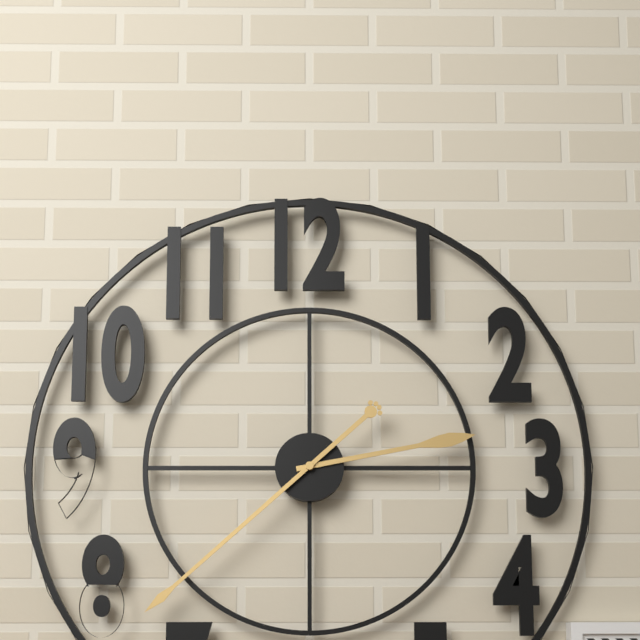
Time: {"hour": 2, "minute": 38}
